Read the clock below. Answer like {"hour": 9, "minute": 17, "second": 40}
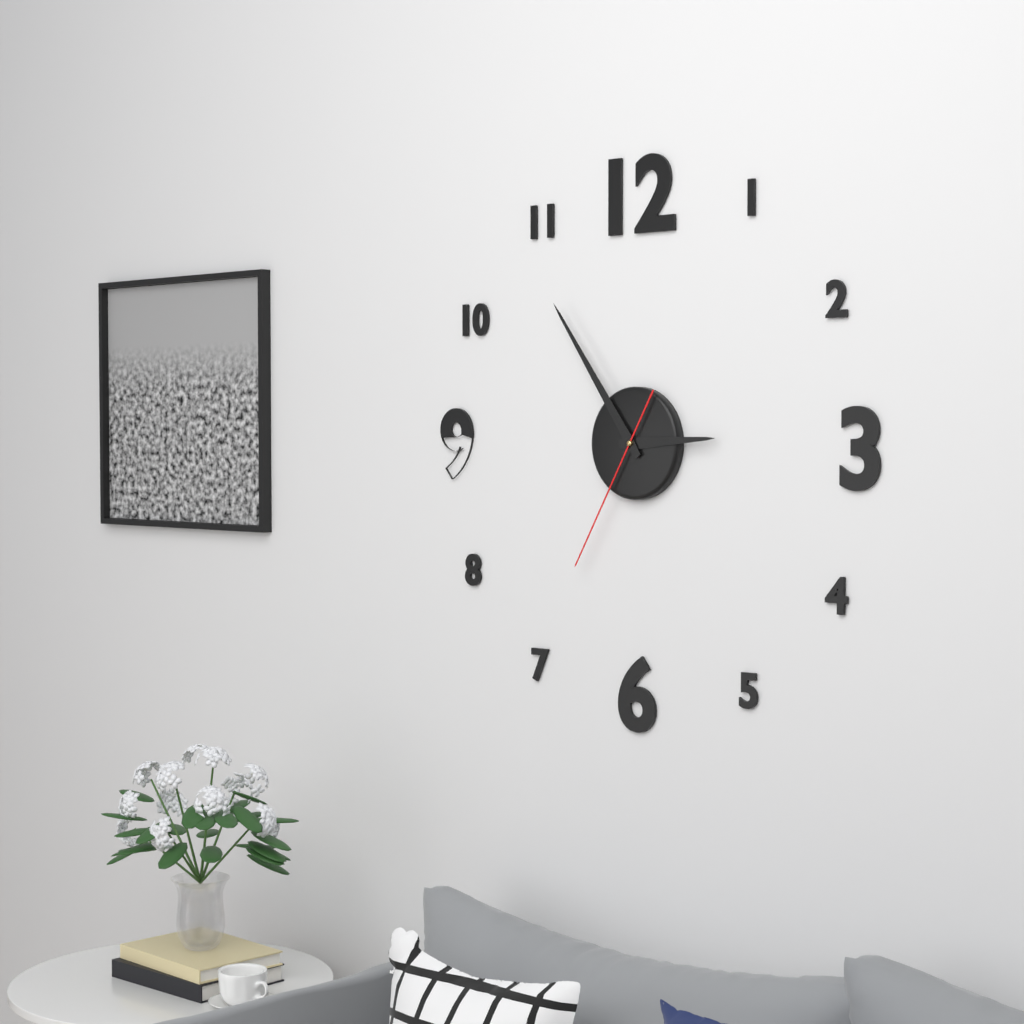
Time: {"hour": 2, "minute": 54, "second": 35}
